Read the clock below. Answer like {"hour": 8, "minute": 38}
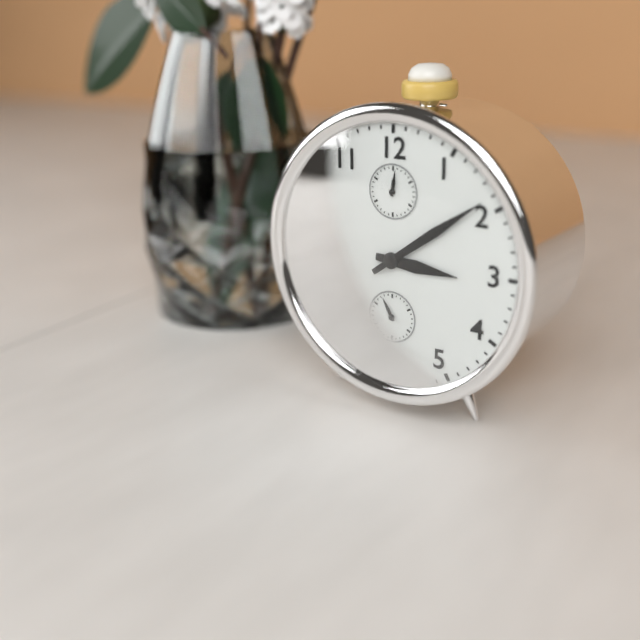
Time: {"hour": 3, "minute": 9}
